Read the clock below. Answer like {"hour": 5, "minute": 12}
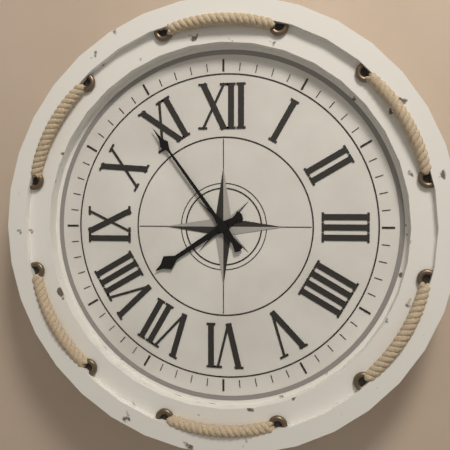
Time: {"hour": 7, "minute": 54}
